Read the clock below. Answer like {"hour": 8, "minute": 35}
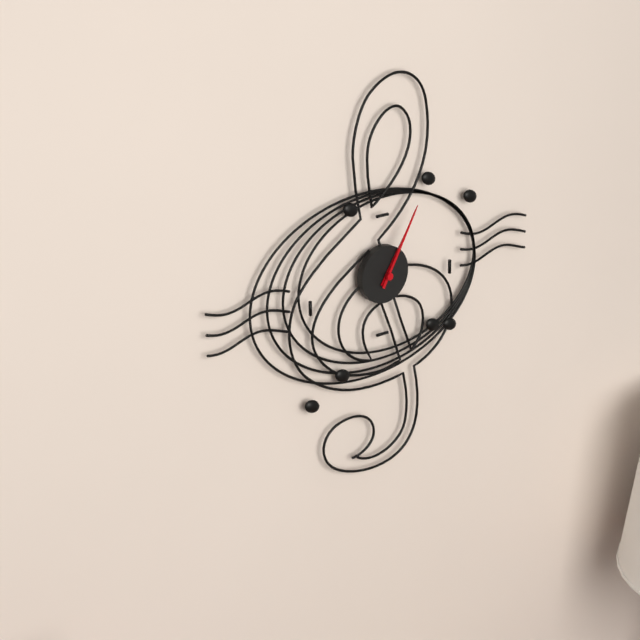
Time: {"hour": 1, "minute": 5}
